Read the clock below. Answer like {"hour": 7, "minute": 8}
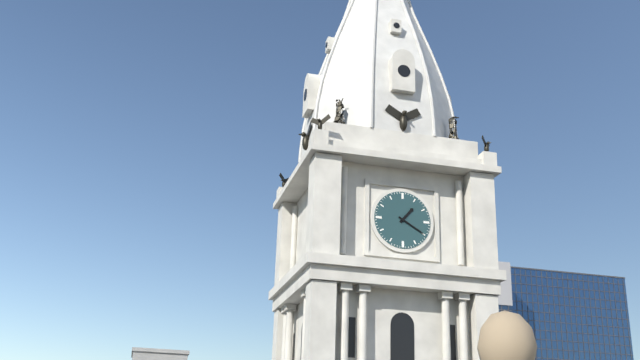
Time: {"hour": 1, "minute": 20}
